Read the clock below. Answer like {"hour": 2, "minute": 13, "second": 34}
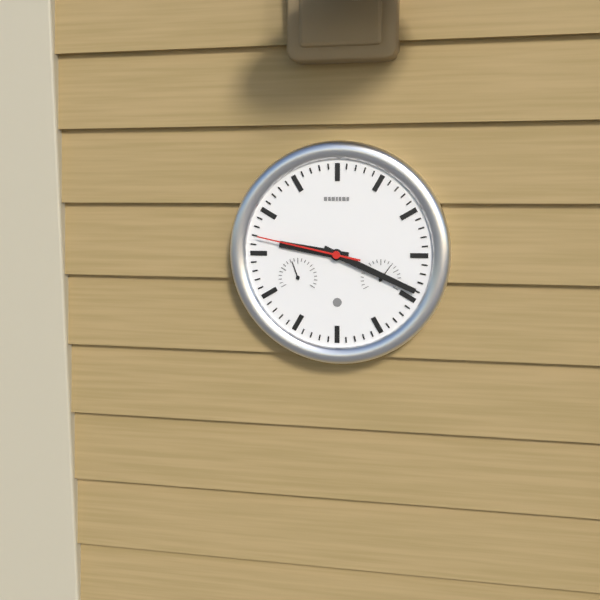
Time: {"hour": 9, "minute": 19, "second": 47}
